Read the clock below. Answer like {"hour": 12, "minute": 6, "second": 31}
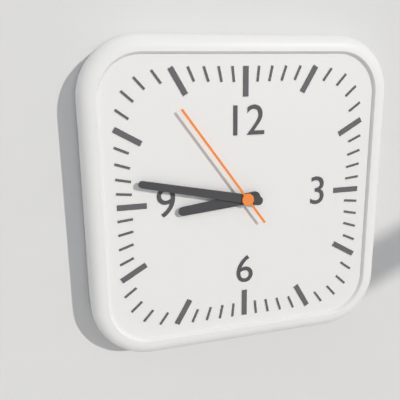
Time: {"hour": 8, "minute": 47, "second": 54}
